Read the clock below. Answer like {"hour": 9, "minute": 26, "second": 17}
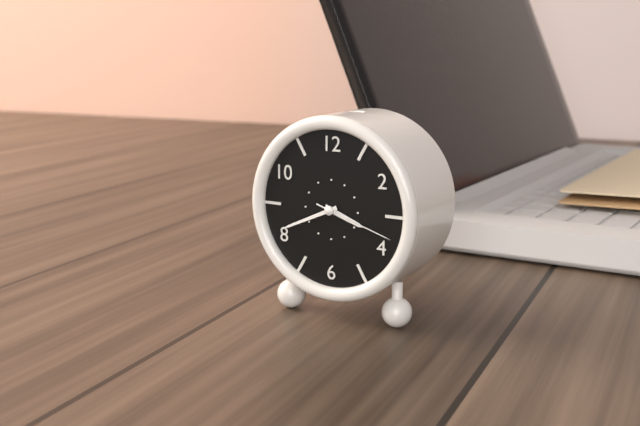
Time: {"hour": 3, "minute": 41, "second": 18}
